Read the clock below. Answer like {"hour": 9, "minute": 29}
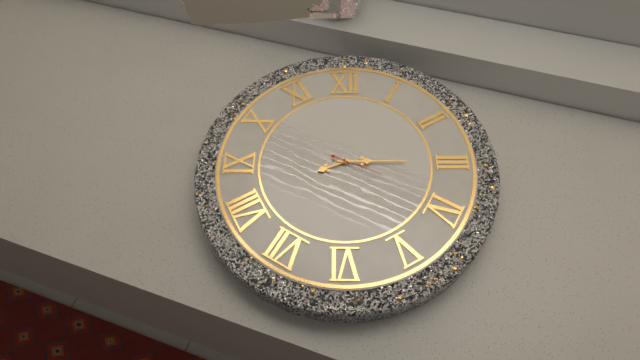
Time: {"hour": 8, "minute": 15}
